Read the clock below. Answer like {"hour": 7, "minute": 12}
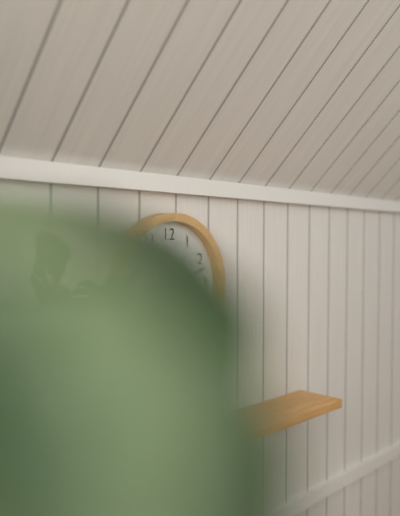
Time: {"hour": 1, "minute": 12}
